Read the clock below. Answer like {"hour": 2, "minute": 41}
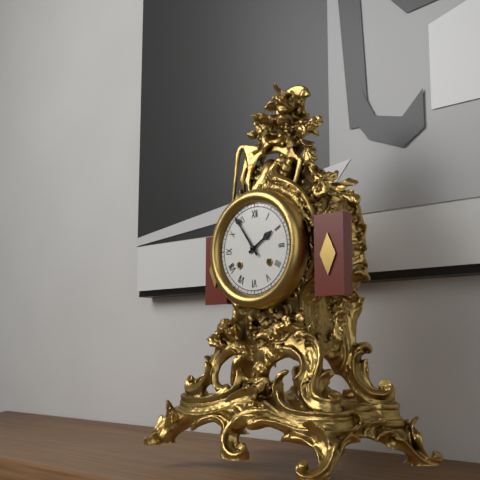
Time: {"hour": 1, "minute": 54}
